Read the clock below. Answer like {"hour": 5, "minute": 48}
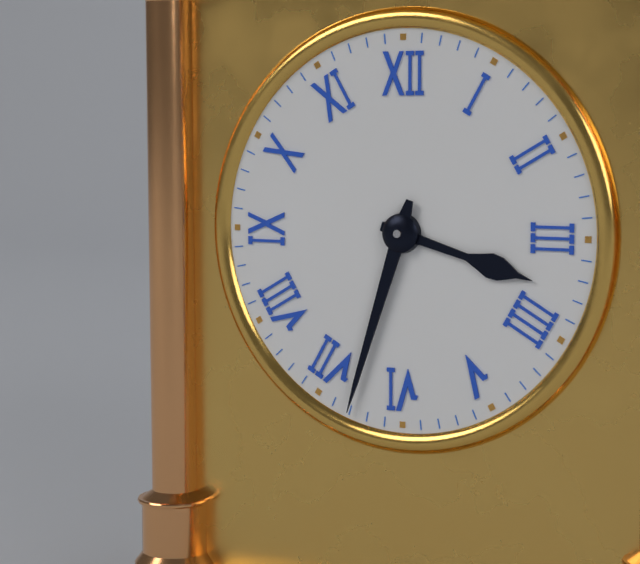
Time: {"hour": 3, "minute": 33}
